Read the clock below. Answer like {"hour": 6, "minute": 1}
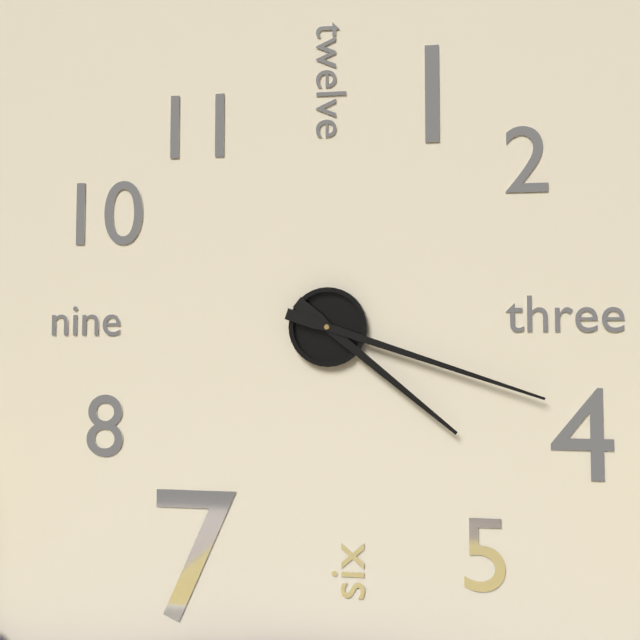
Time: {"hour": 4, "minute": 18}
